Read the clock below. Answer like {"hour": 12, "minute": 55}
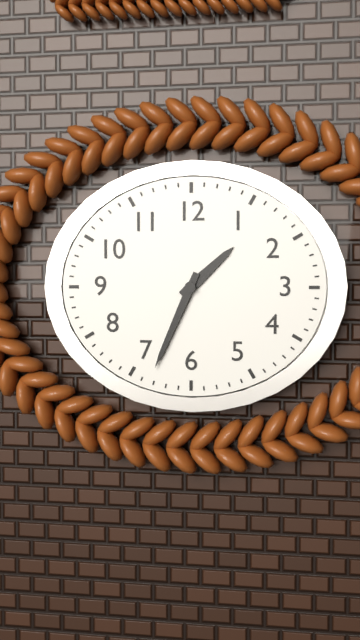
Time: {"hour": 1, "minute": 34}
